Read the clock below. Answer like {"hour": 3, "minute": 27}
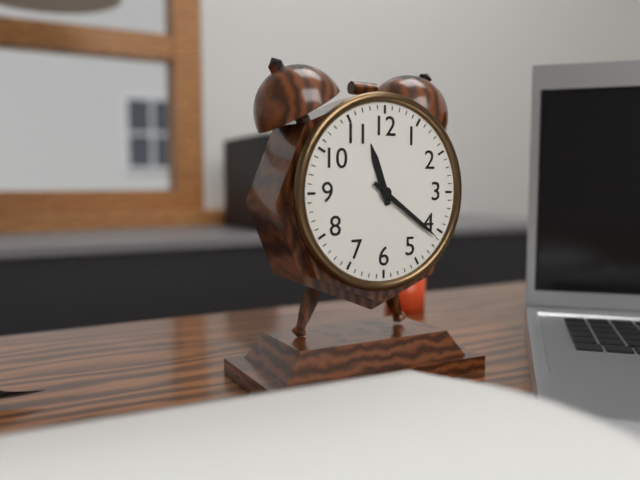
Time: {"hour": 11, "minute": 21}
